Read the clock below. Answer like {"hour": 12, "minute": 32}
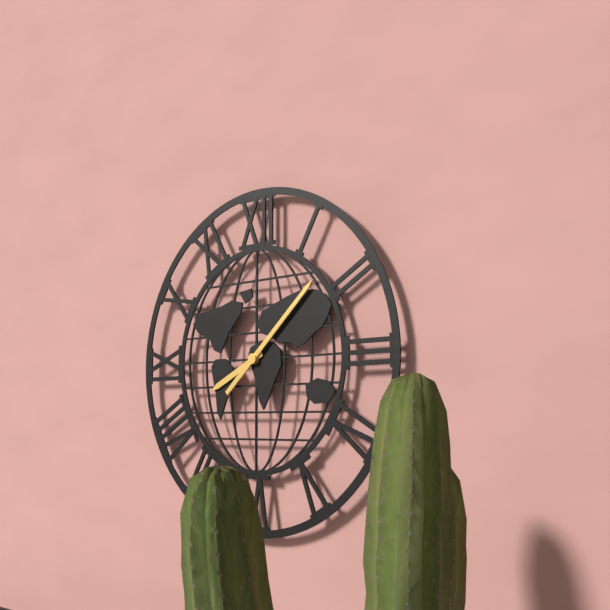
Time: {"hour": 8, "minute": 8}
